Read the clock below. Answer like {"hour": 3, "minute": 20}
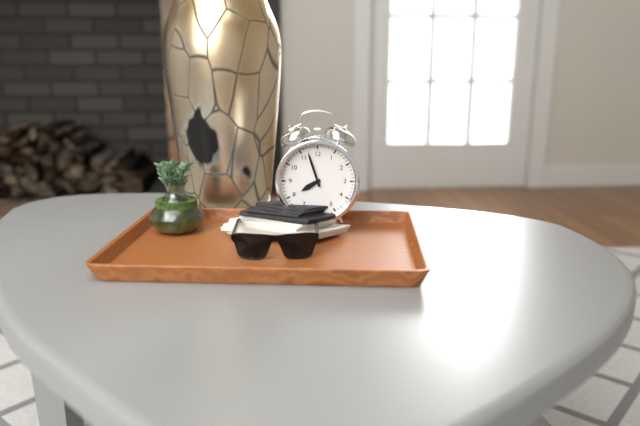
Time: {"hour": 7, "minute": 57}
